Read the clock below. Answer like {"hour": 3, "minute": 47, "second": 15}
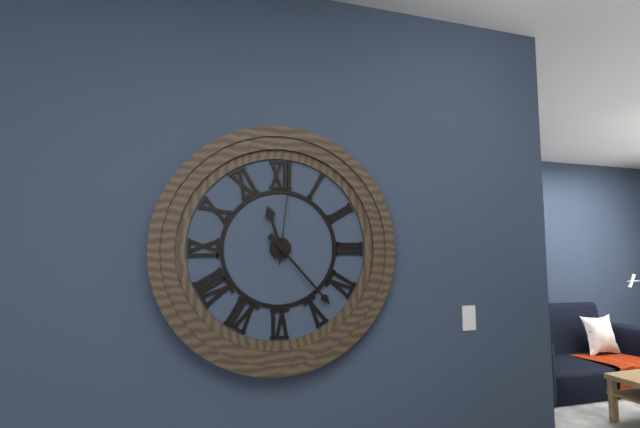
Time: {"hour": 11, "minute": 23, "second": 1}
